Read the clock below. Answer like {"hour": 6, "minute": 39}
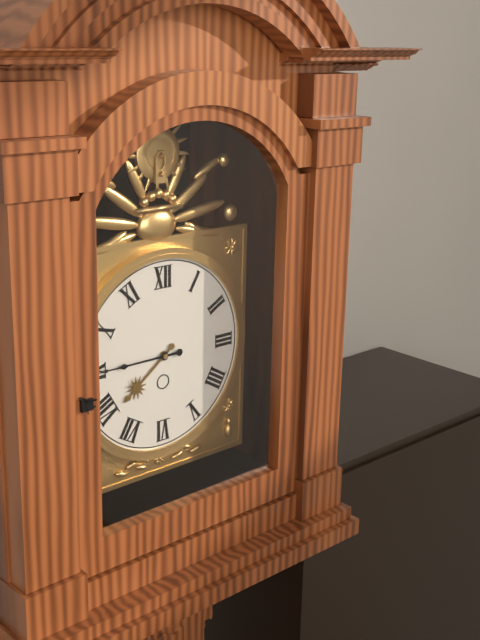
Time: {"hour": 7, "minute": 45}
